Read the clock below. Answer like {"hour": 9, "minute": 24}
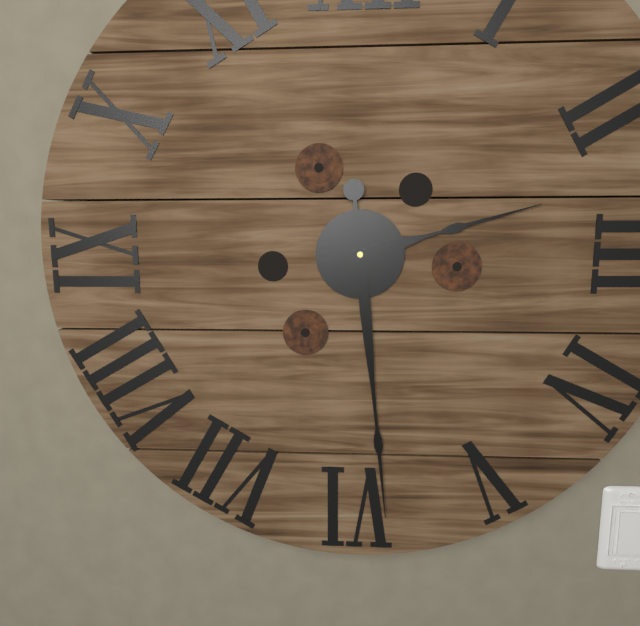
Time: {"hour": 2, "minute": 29}
